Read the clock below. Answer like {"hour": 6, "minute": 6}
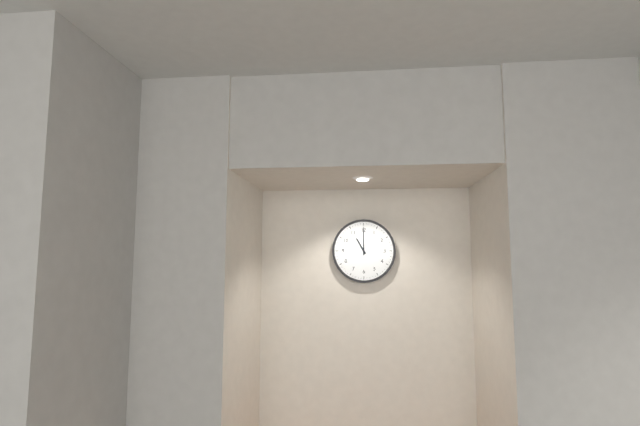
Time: {"hour": 11, "minute": 0}
